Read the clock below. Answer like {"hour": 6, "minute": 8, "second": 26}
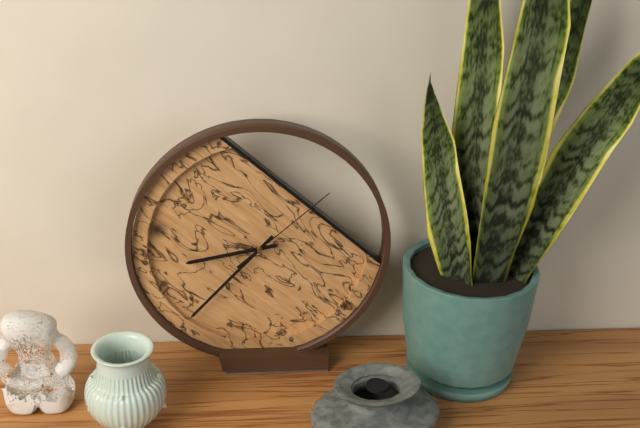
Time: {"hour": 8, "minute": 37, "second": 8}
